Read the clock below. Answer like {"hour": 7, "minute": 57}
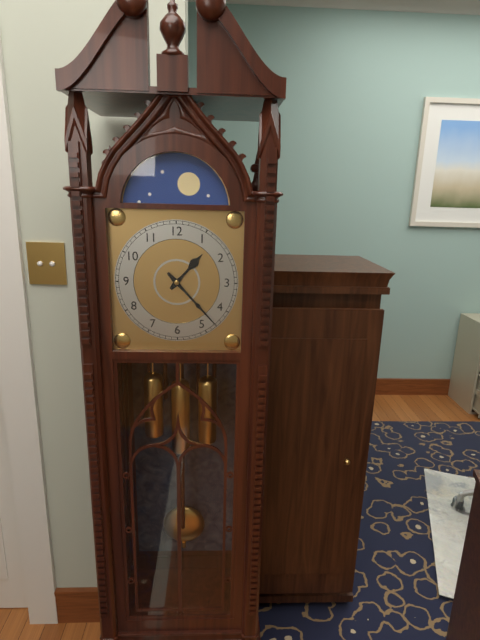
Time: {"hour": 1, "minute": 23}
